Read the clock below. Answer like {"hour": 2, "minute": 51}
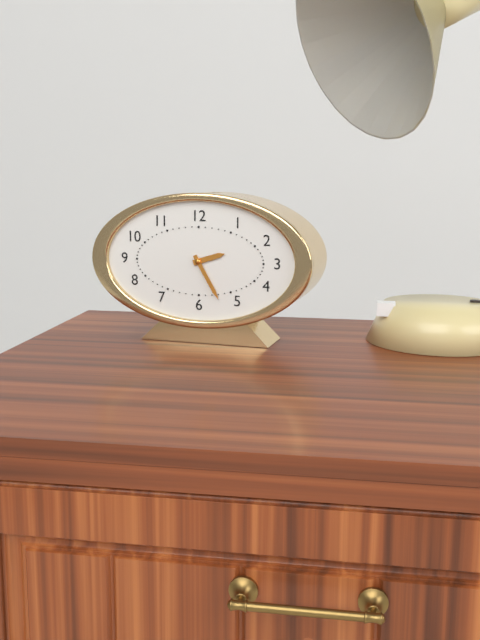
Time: {"hour": 2, "minute": 25}
